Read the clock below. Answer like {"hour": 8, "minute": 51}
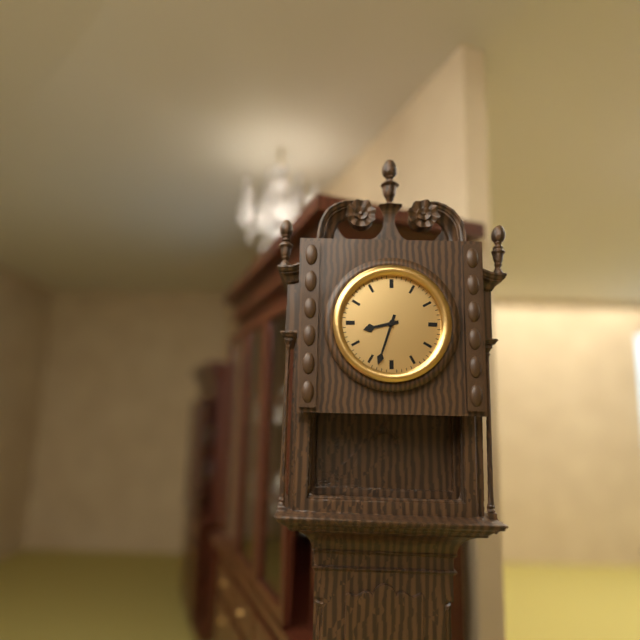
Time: {"hour": 8, "minute": 33}
